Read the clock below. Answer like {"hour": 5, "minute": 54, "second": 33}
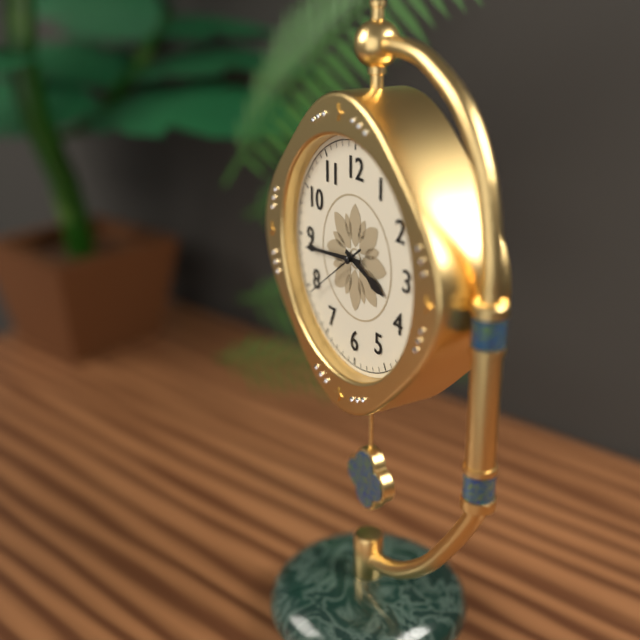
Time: {"hour": 3, "minute": 44, "second": 39}
